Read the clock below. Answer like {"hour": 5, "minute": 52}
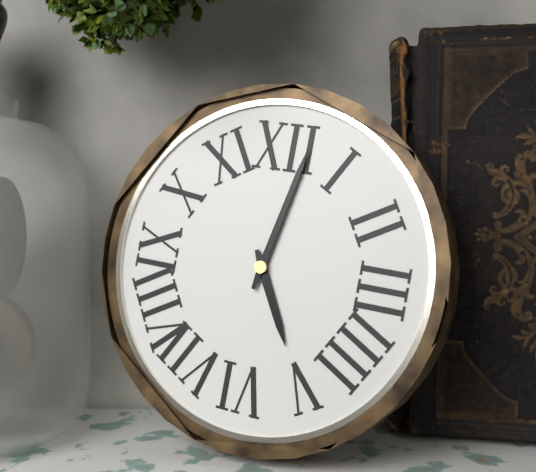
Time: {"hour": 5, "minute": 2}
